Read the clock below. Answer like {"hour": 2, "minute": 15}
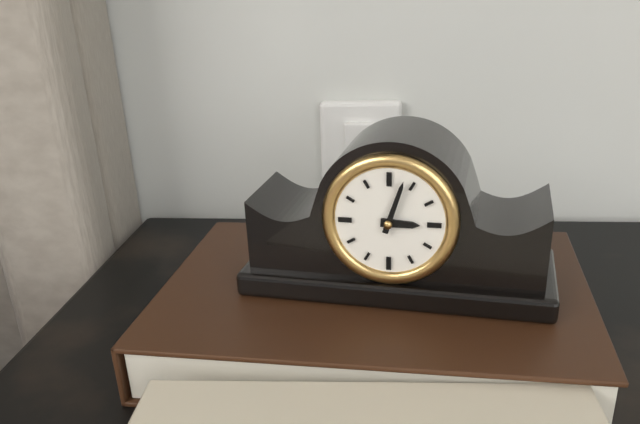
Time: {"hour": 3, "minute": 3}
